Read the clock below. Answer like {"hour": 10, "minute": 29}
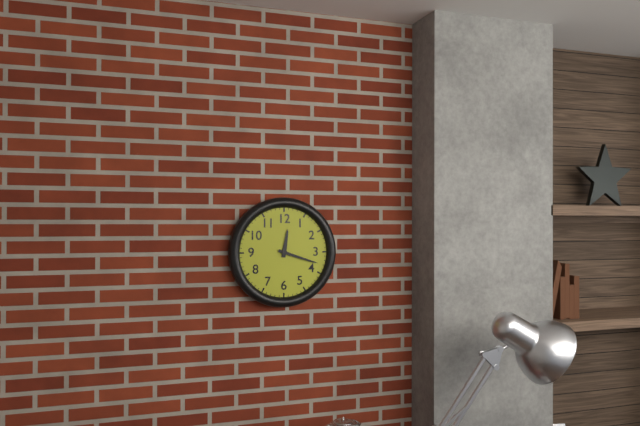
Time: {"hour": 12, "minute": 18}
